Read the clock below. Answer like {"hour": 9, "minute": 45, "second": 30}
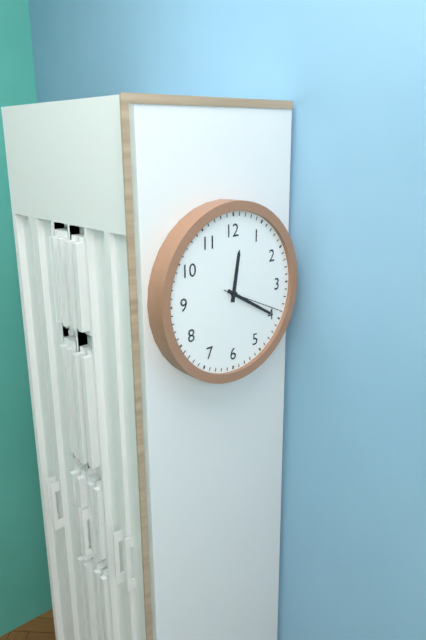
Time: {"hour": 12, "minute": 20, "second": 19}
